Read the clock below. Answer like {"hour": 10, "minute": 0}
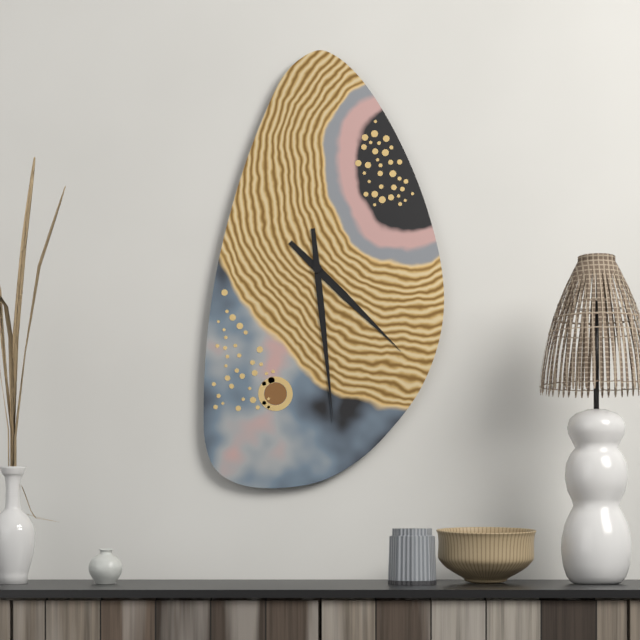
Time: {"hour": 4, "minute": 29}
